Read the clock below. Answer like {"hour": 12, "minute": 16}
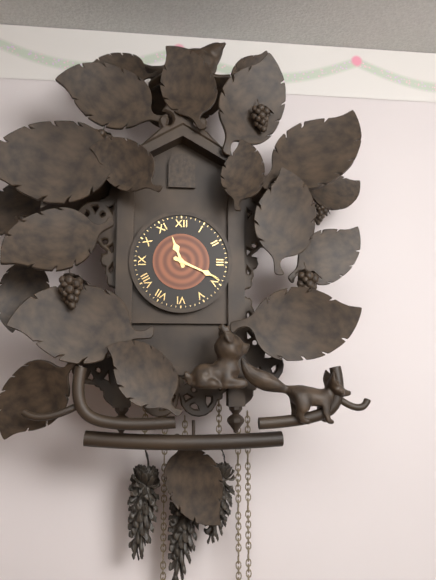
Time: {"hour": 11, "minute": 19}
